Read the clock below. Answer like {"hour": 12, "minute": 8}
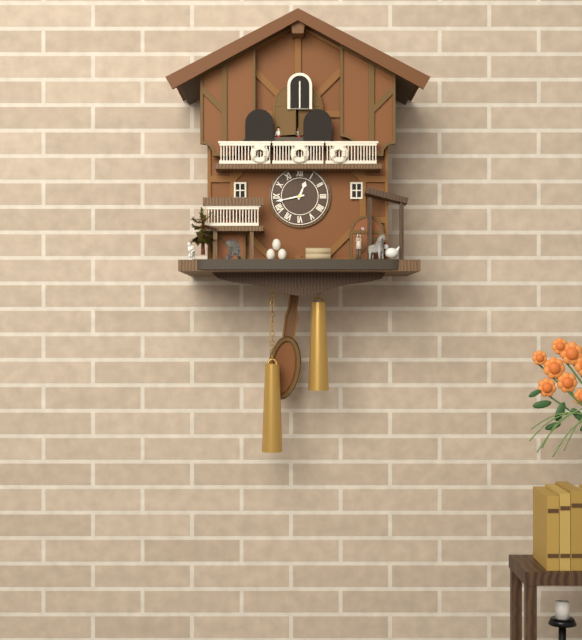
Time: {"hour": 12, "minute": 43}
